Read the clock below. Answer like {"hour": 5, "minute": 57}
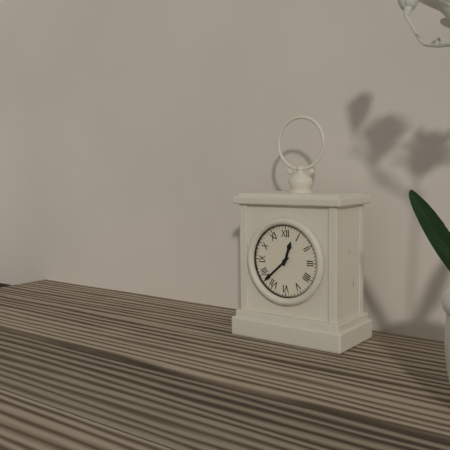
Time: {"hour": 12, "minute": 38}
